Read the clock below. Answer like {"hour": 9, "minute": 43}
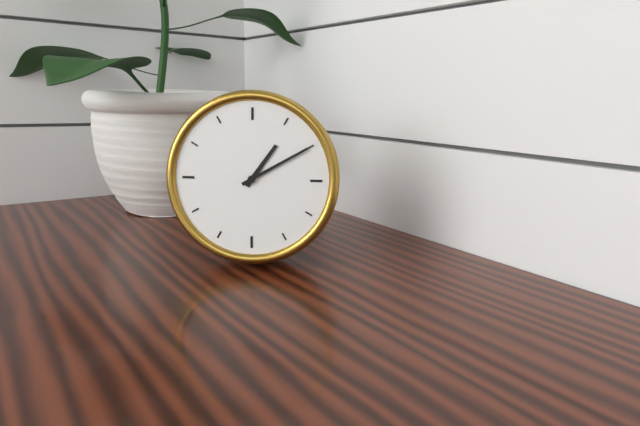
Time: {"hour": 1, "minute": 10}
